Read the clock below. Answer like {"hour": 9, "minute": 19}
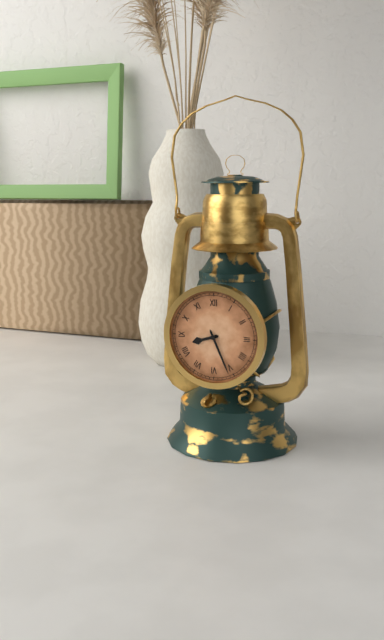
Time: {"hour": 8, "minute": 26}
